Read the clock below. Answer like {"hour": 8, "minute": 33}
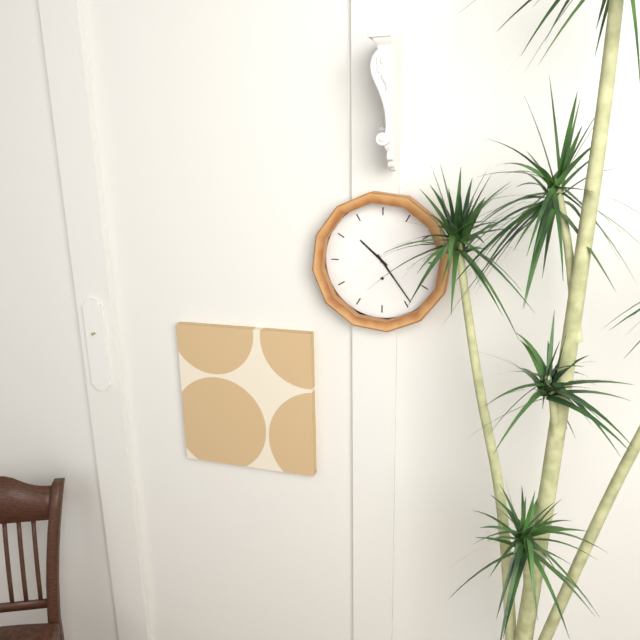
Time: {"hour": 10, "minute": 24}
